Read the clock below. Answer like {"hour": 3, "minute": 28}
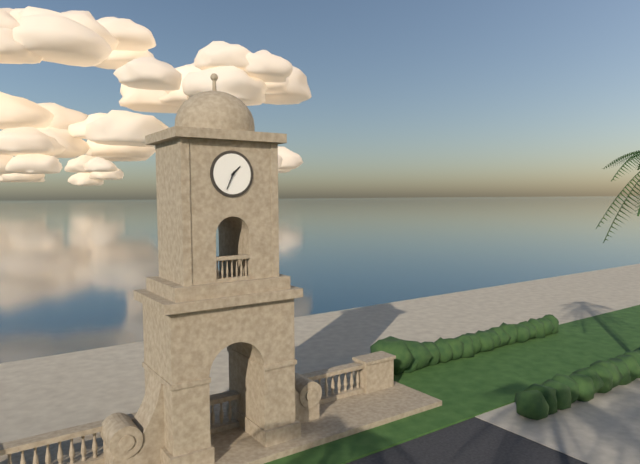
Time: {"hour": 1, "minute": 34}
